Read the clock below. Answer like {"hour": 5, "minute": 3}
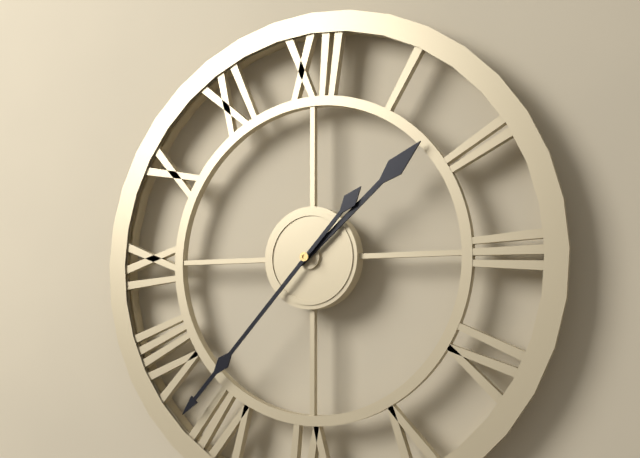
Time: {"hour": 1, "minute": 37}
